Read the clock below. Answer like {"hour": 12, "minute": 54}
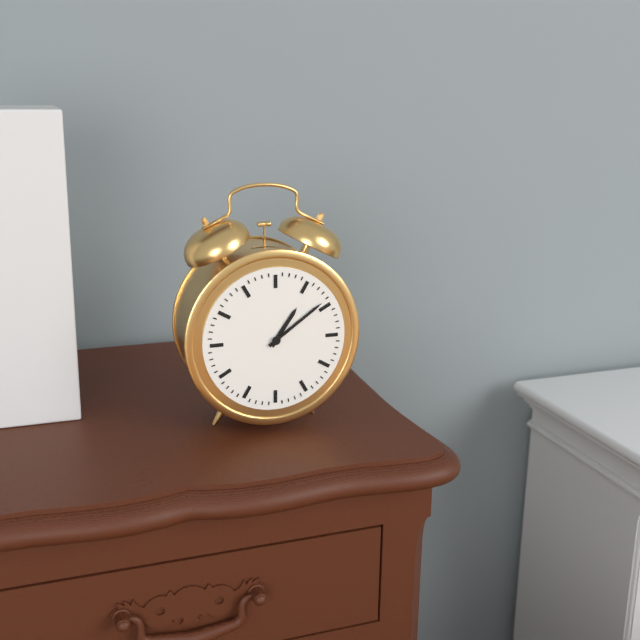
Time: {"hour": 1, "minute": 9}
